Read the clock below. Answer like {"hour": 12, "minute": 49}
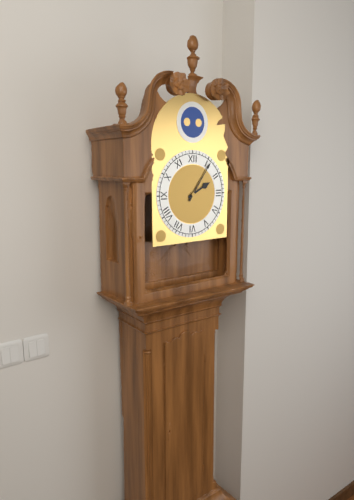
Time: {"hour": 2, "minute": 6}
